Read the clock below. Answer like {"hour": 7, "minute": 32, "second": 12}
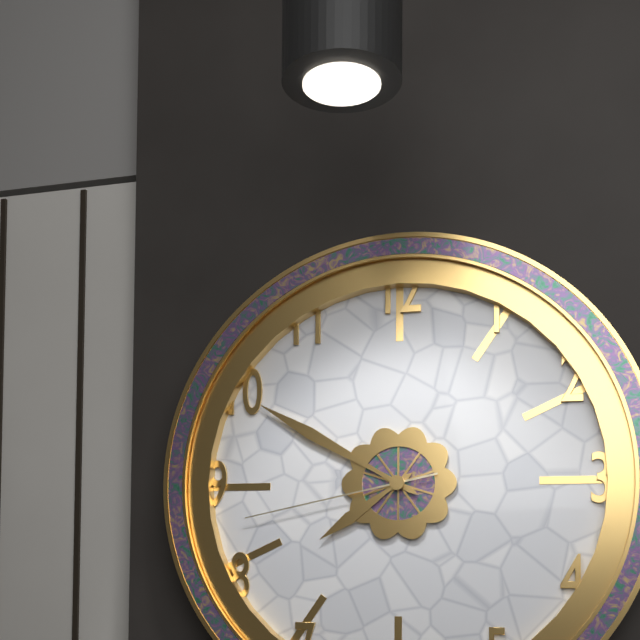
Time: {"hour": 7, "minute": 50, "second": 43}
